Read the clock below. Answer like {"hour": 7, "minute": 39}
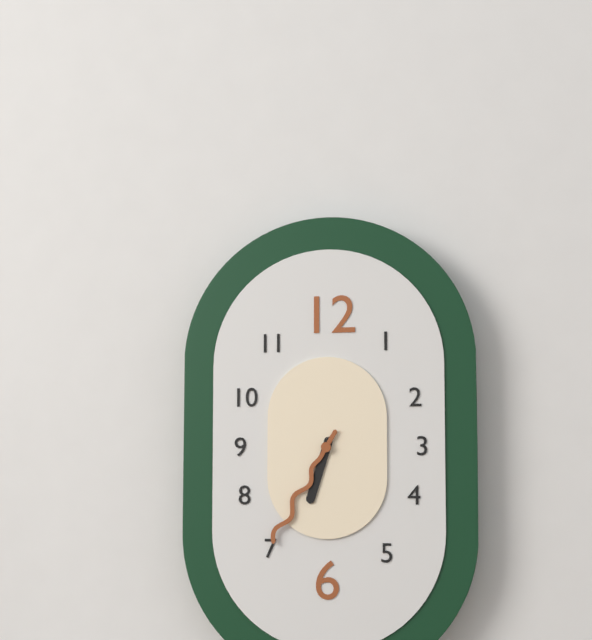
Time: {"hour": 6, "minute": 35}
